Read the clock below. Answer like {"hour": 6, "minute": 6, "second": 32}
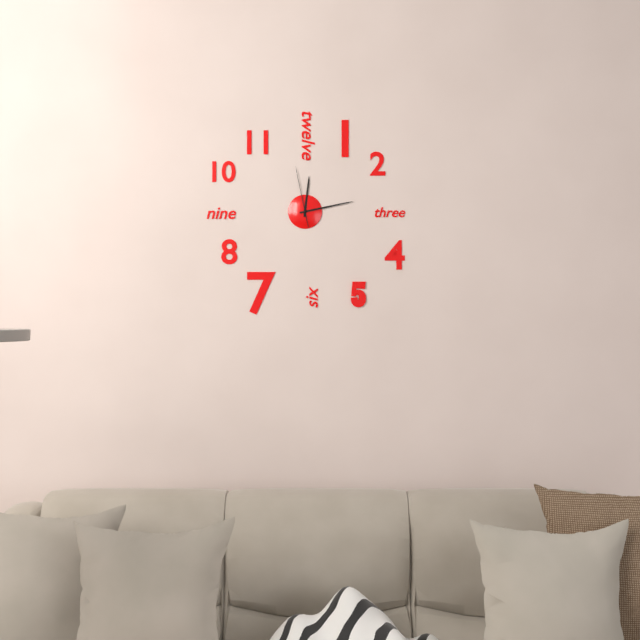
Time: {"hour": 12, "minute": 13, "second": 58}
